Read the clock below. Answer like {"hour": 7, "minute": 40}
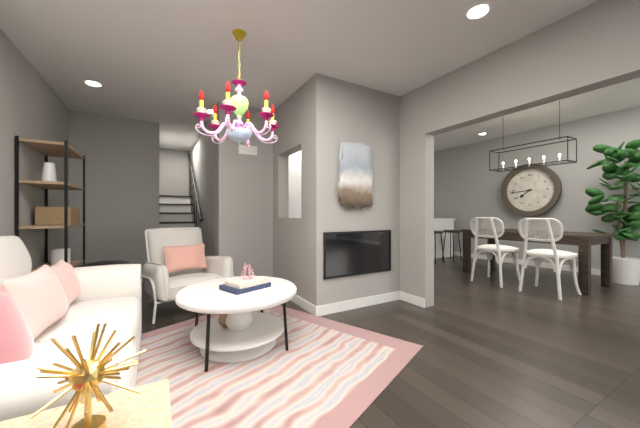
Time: {"hour": 7, "minute": 44}
